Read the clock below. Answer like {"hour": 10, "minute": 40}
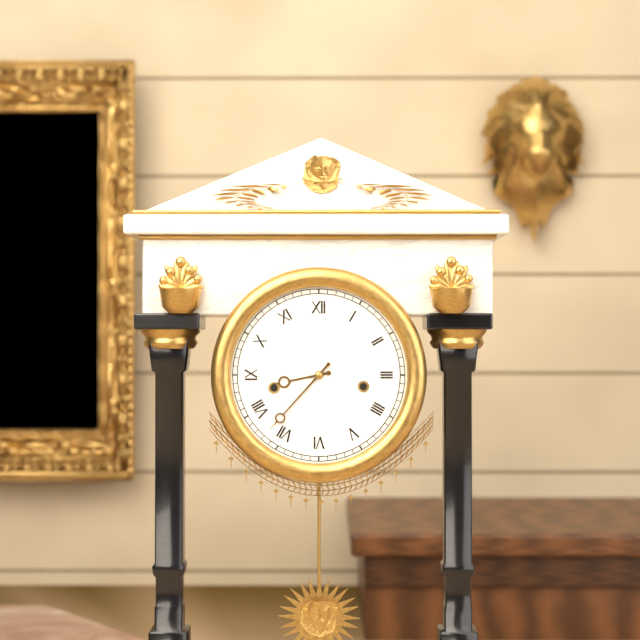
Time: {"hour": 8, "minute": 37}
